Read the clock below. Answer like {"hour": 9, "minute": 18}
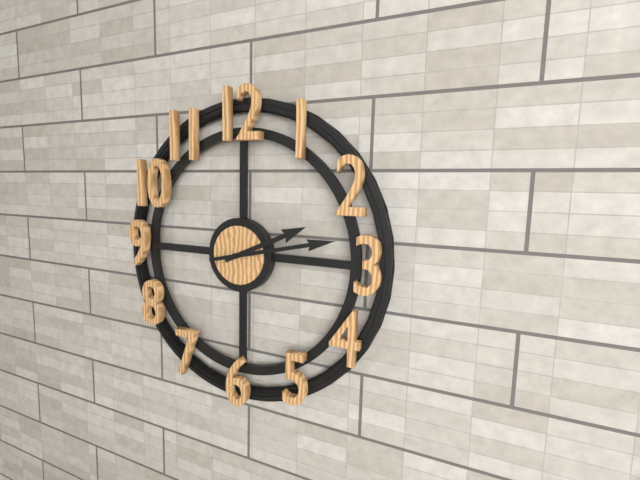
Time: {"hour": 2, "minute": 13}
